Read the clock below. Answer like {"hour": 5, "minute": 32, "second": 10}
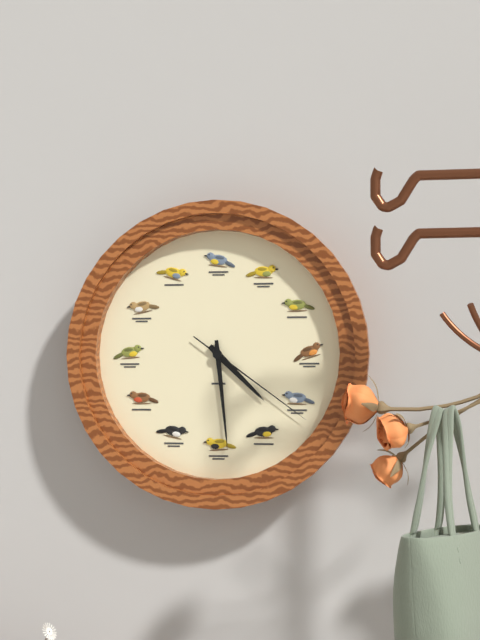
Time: {"hour": 4, "minute": 29, "second": 21}
